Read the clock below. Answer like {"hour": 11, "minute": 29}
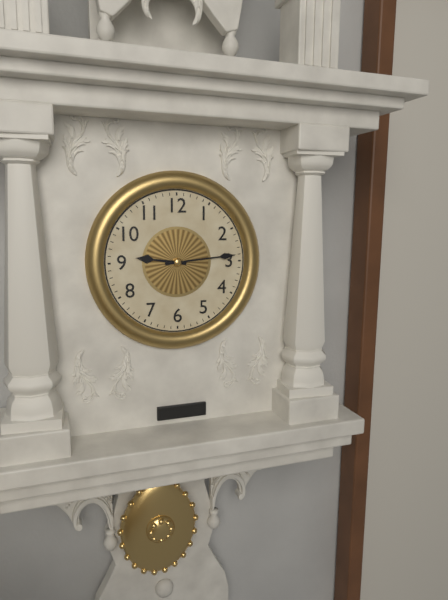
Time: {"hour": 9, "minute": 14}
